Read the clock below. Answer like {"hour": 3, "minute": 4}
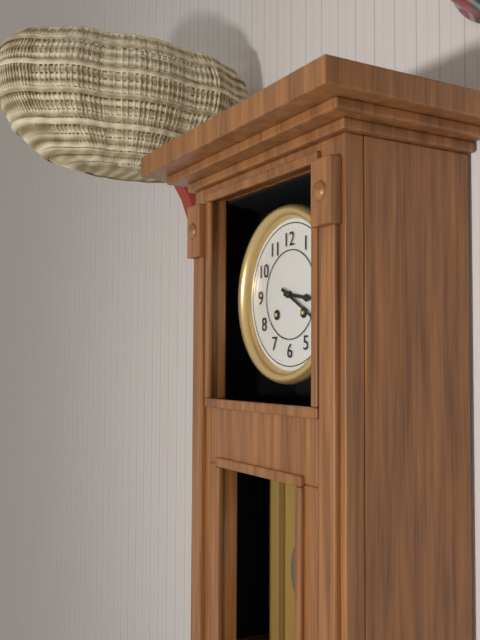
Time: {"hour": 3, "minute": 20}
